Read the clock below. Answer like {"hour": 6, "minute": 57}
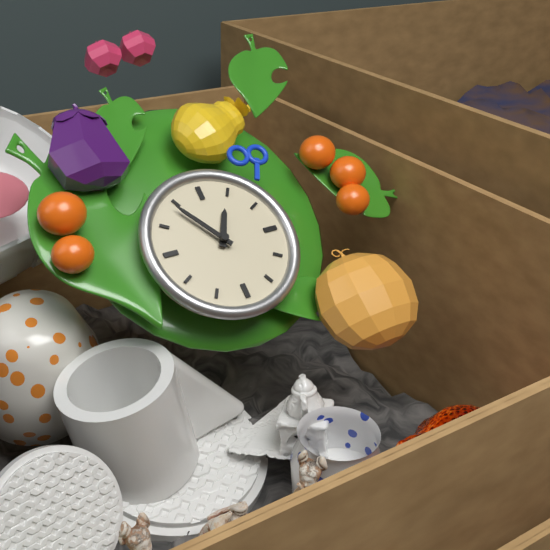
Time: {"hour": 12, "minute": 54}
